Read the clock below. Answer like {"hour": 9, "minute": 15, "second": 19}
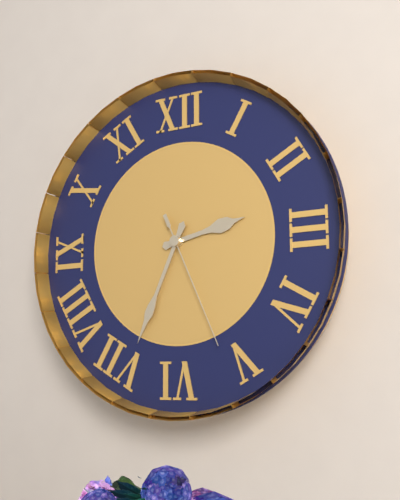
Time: {"hour": 2, "minute": 34, "second": 26}
